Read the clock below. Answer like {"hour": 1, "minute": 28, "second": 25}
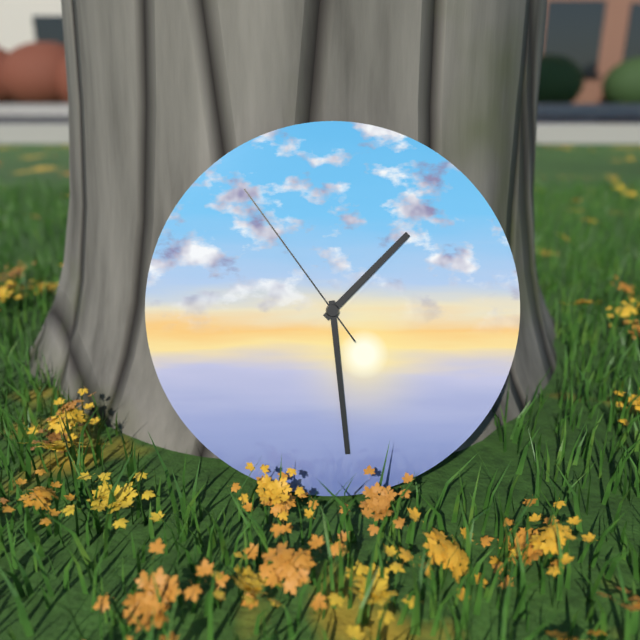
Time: {"hour": 1, "minute": 29, "second": 54}
